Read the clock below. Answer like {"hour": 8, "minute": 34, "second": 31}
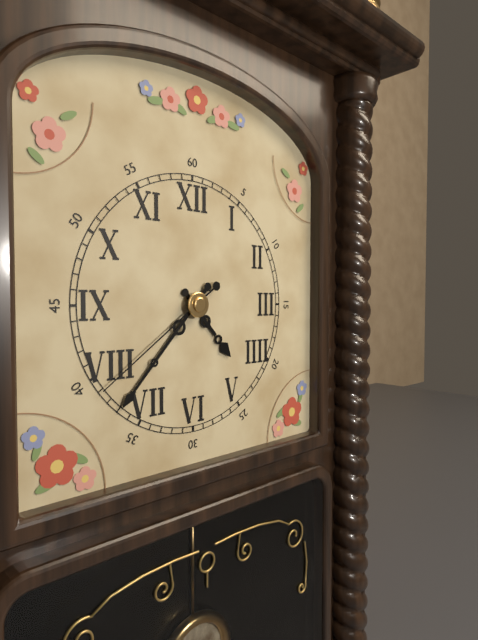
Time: {"hour": 4, "minute": 37, "second": 39}
